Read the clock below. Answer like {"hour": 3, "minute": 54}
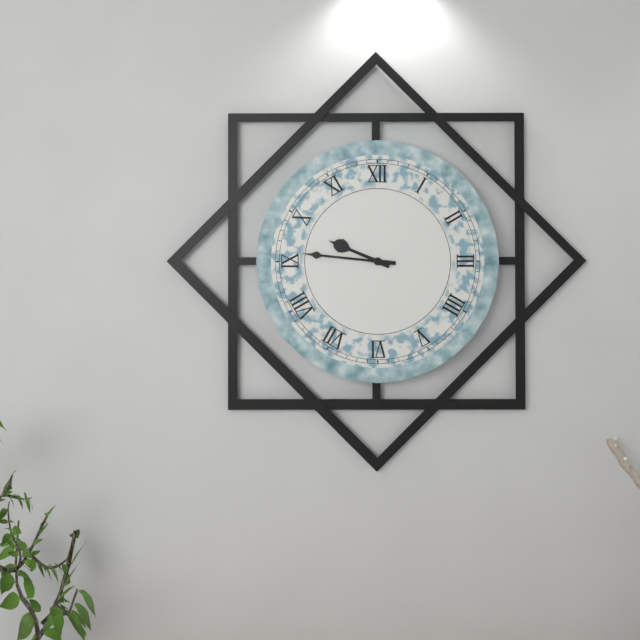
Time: {"hour": 9, "minute": 46}
